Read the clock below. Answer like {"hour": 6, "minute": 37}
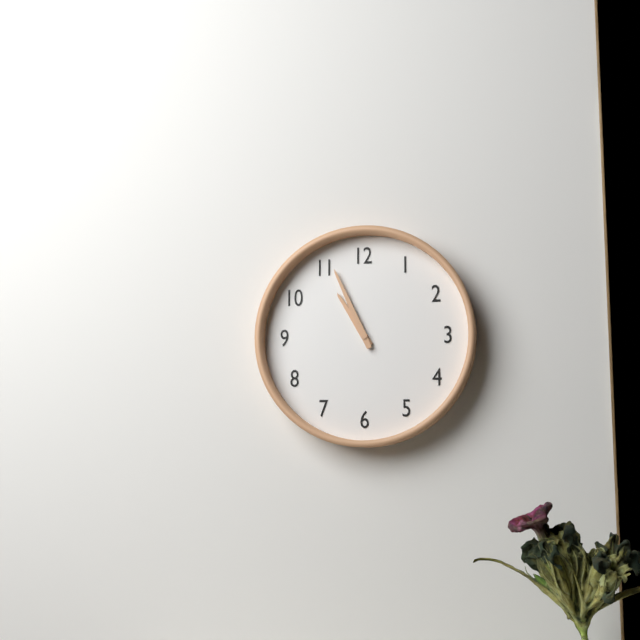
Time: {"hour": 10, "minute": 56}
